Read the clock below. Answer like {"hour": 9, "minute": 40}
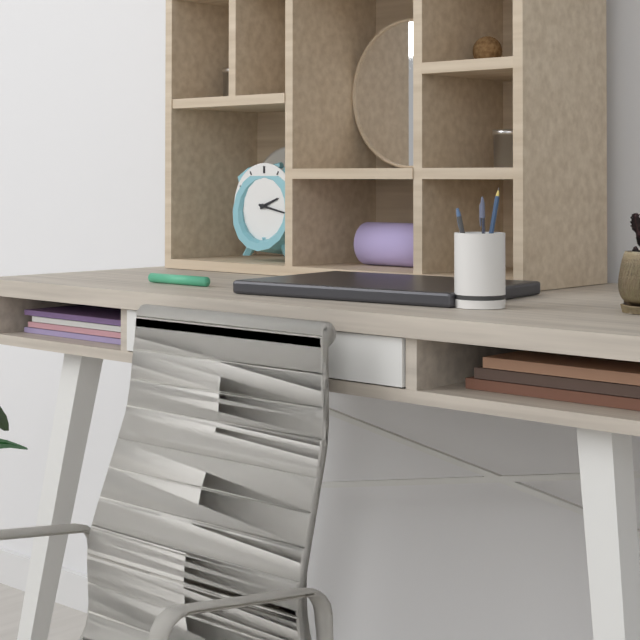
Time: {"hour": 2, "minute": 17}
